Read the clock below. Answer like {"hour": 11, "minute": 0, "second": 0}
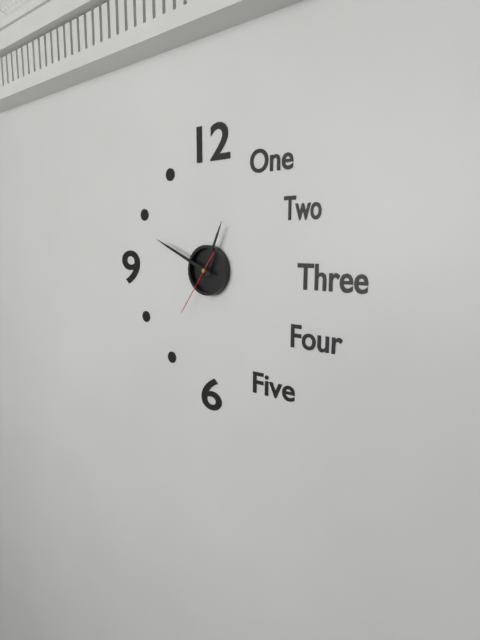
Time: {"hour": 12, "minute": 49, "second": 36}
